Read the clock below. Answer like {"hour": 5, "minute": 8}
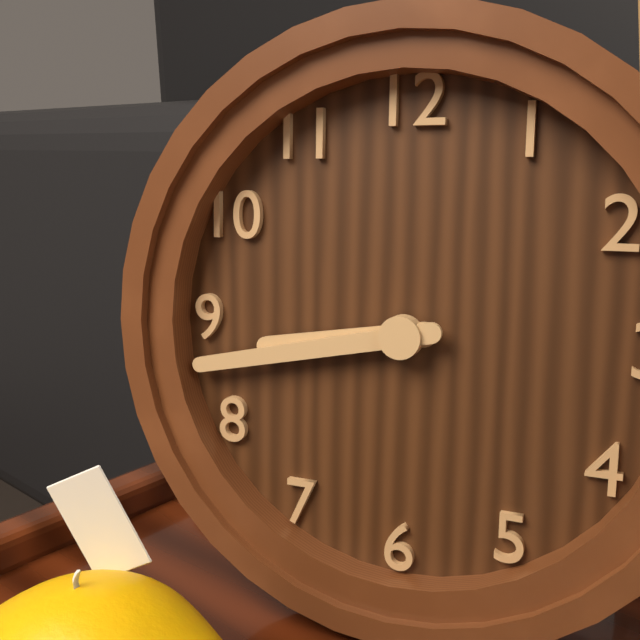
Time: {"hour": 8, "minute": 43}
